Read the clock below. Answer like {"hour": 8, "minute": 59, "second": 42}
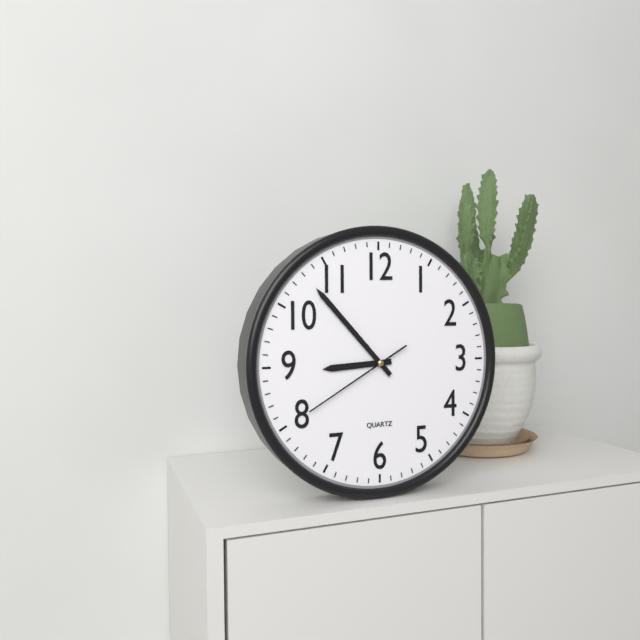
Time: {"hour": 8, "minute": 53, "second": 40}
